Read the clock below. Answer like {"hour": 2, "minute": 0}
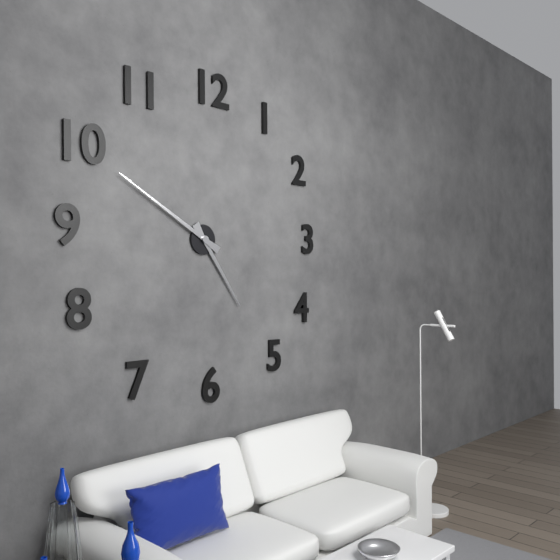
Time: {"hour": 4, "minute": 50}
